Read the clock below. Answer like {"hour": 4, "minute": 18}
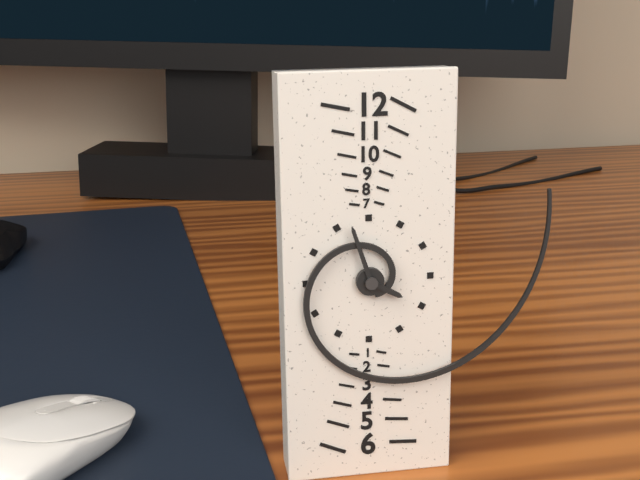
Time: {"hour": 3, "minute": 57}
